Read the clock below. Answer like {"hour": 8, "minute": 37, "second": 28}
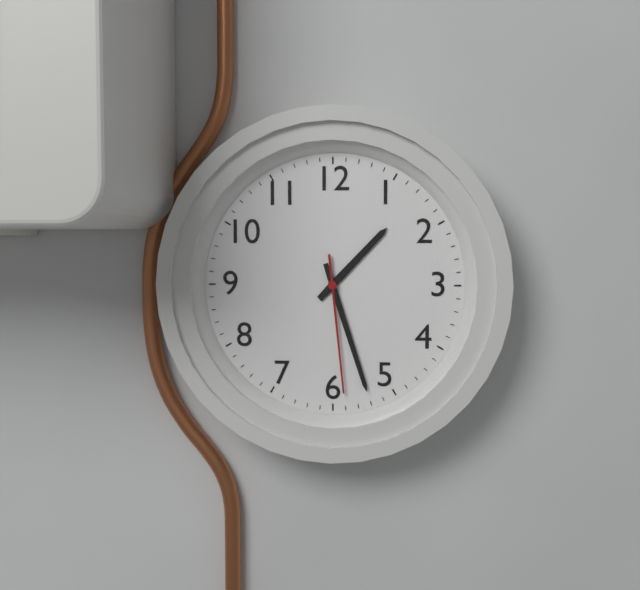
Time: {"hour": 1, "minute": 27, "second": 29}
